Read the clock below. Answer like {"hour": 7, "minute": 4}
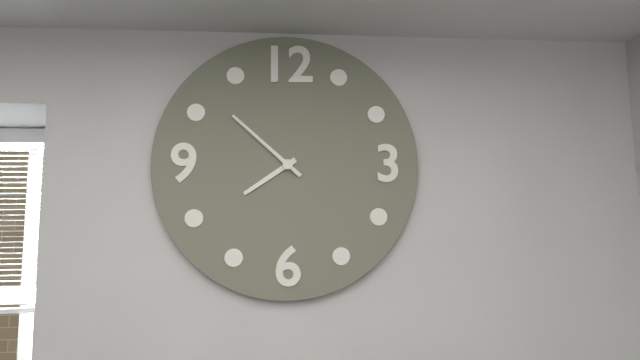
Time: {"hour": 7, "minute": 52}
